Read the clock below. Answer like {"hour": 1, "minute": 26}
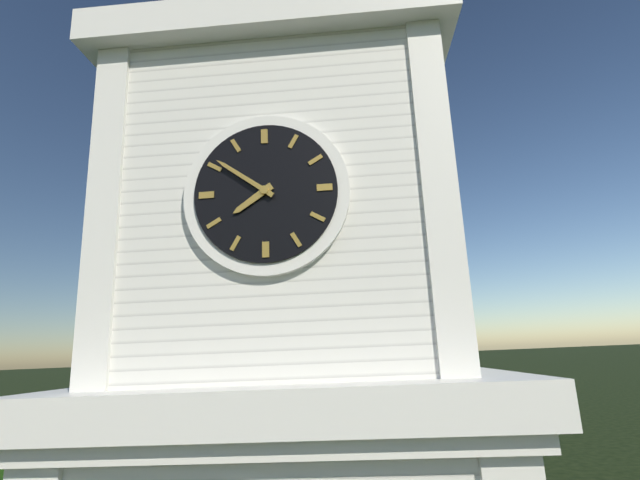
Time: {"hour": 7, "minute": 51}
